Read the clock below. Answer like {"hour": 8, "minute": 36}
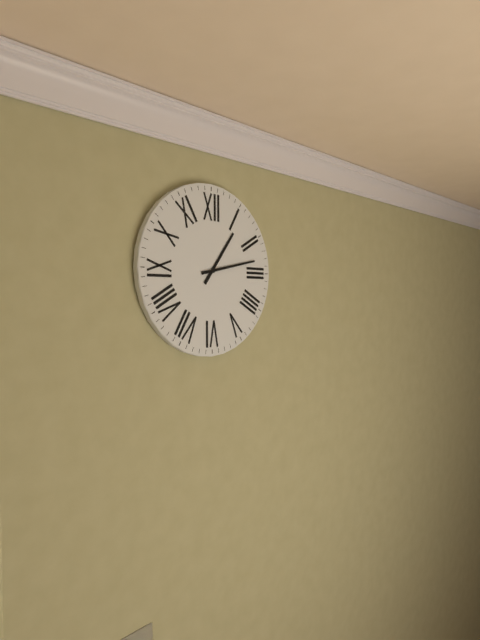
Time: {"hour": 1, "minute": 13}
